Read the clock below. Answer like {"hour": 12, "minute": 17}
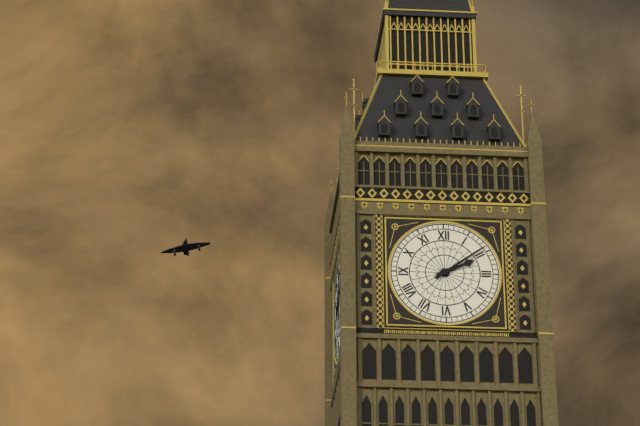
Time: {"hour": 2, "minute": 9}
